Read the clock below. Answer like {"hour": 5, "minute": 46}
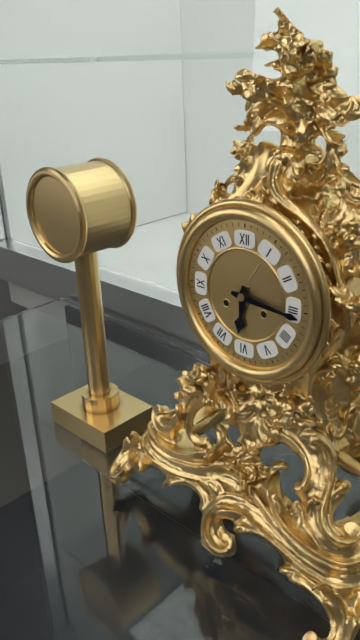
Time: {"hour": 6, "minute": 16}
